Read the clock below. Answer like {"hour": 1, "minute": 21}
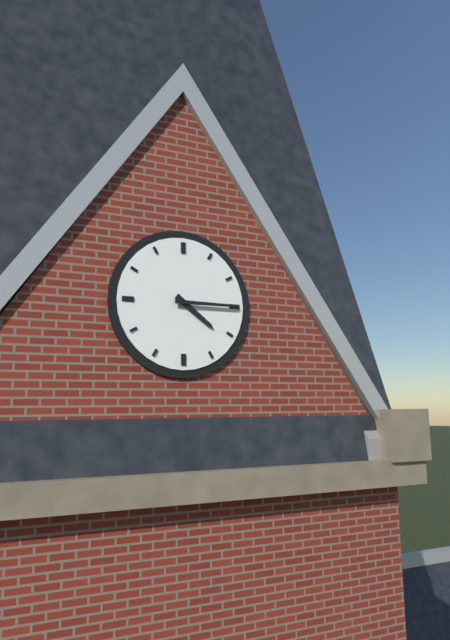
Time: {"hour": 4, "minute": 15}
